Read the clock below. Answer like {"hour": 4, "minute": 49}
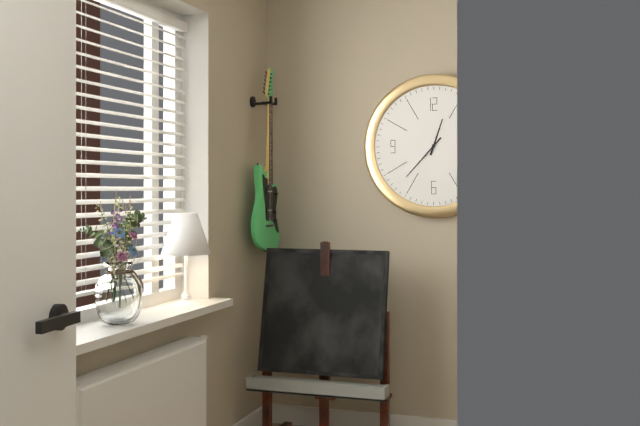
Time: {"hour": 12, "minute": 37}
